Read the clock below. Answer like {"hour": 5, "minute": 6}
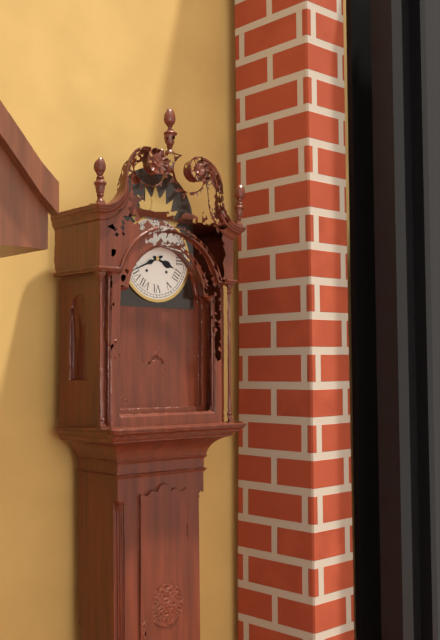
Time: {"hour": 3, "minute": 41}
